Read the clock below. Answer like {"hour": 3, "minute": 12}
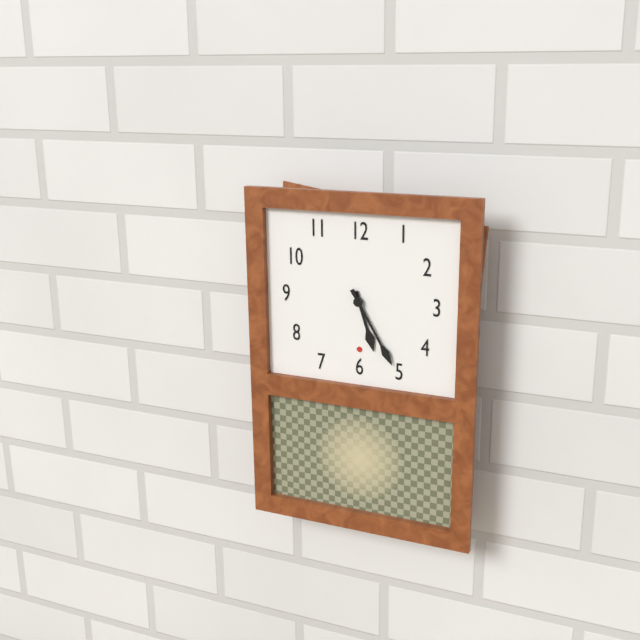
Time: {"hour": 5, "minute": 25}
